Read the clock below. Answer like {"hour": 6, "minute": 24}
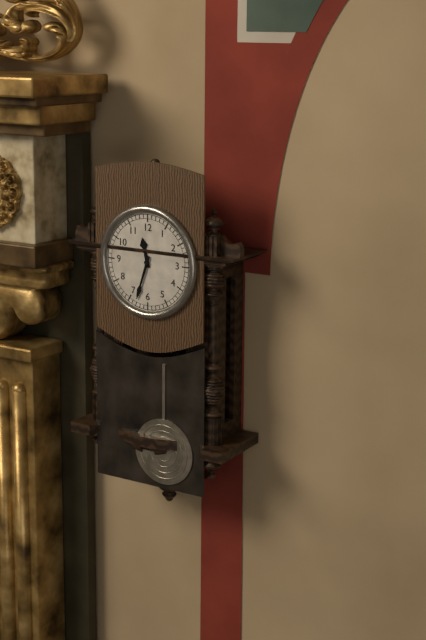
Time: {"hour": 11, "minute": 33}
